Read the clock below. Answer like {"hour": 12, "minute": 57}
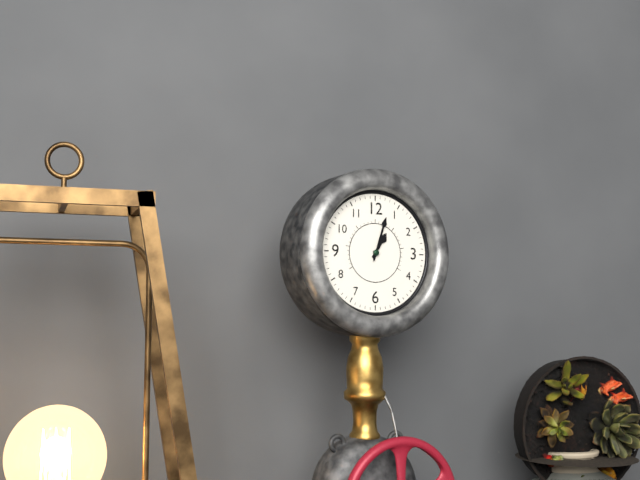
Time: {"hour": 1, "minute": 3}
